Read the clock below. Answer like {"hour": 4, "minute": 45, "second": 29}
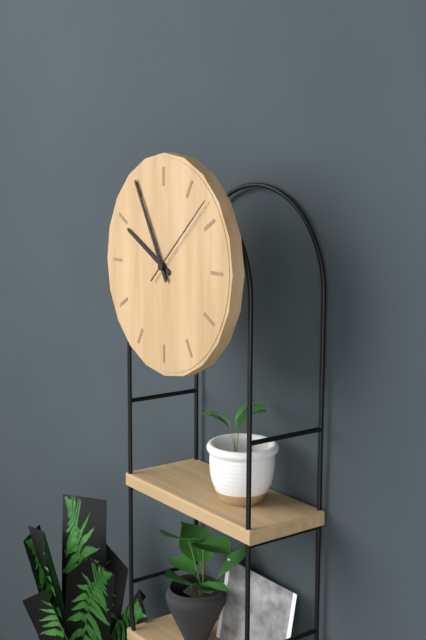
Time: {"hour": 9, "minute": 55, "second": 8}
